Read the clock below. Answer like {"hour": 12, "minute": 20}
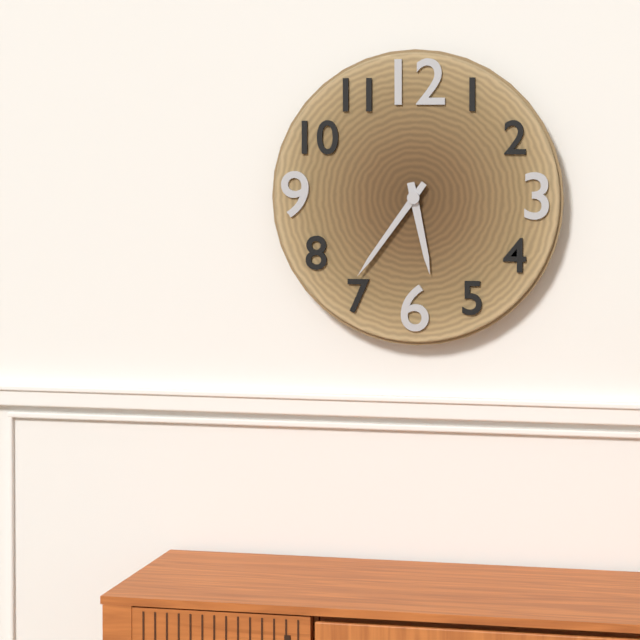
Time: {"hour": 5, "minute": 36}
